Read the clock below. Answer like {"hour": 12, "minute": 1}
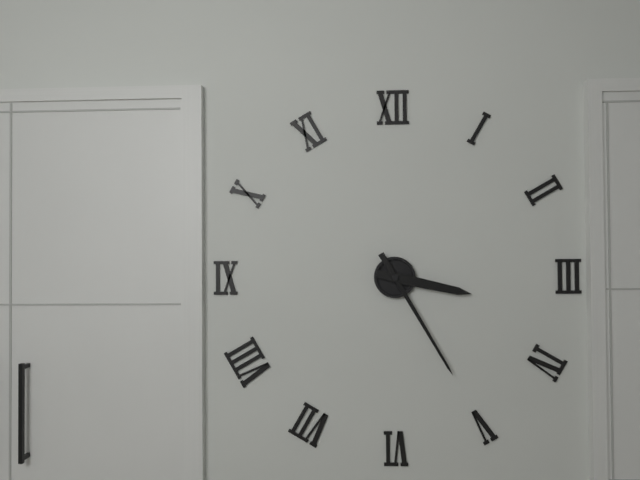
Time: {"hour": 3, "minute": 25}
